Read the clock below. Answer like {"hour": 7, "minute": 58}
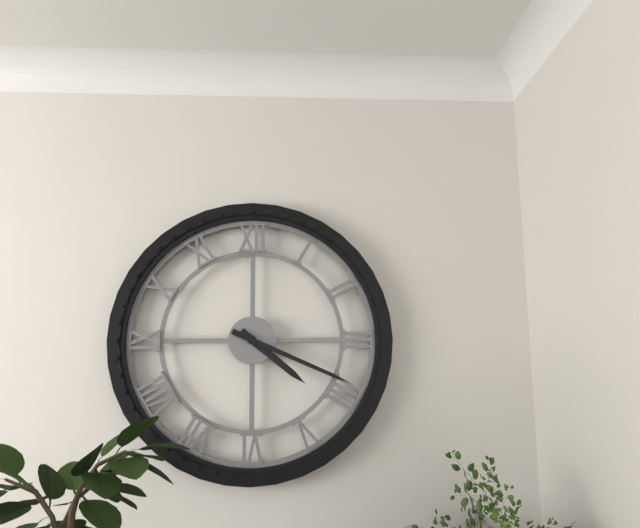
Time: {"hour": 4, "minute": 19}
